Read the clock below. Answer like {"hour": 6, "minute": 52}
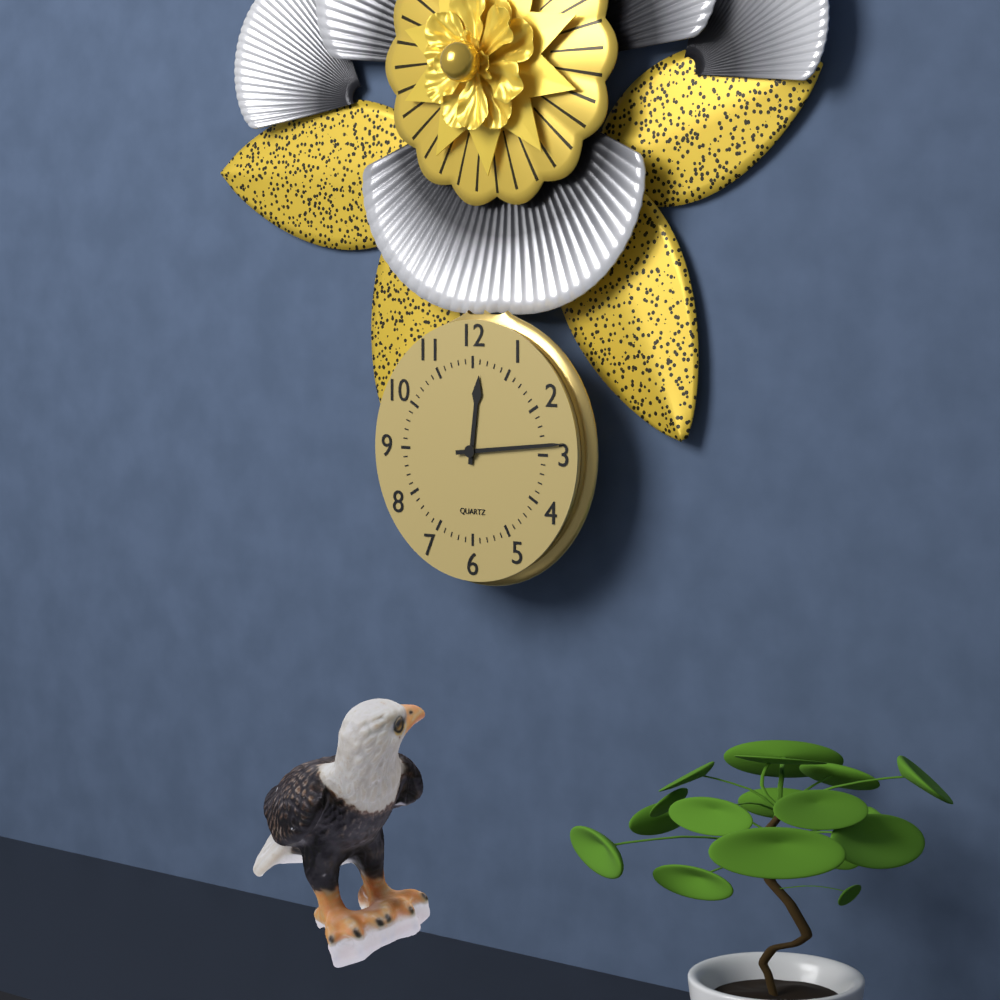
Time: {"hour": 12, "minute": 14}
